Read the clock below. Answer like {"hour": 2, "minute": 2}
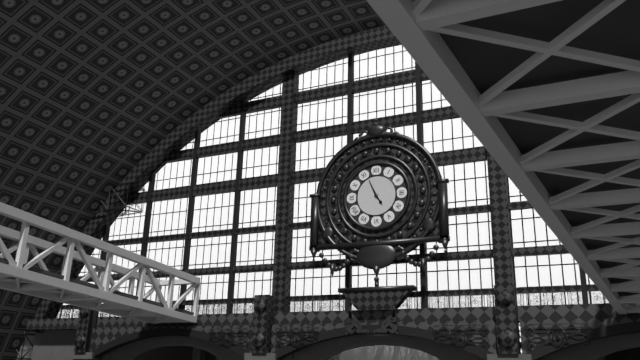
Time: {"hour": 4, "minute": 56}
